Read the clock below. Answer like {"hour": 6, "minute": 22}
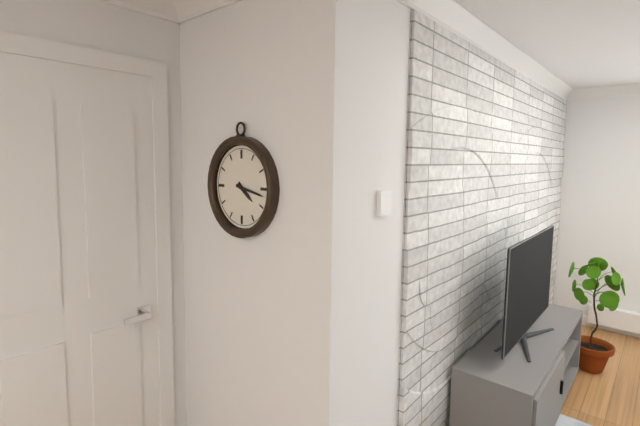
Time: {"hour": 4, "minute": 17}
